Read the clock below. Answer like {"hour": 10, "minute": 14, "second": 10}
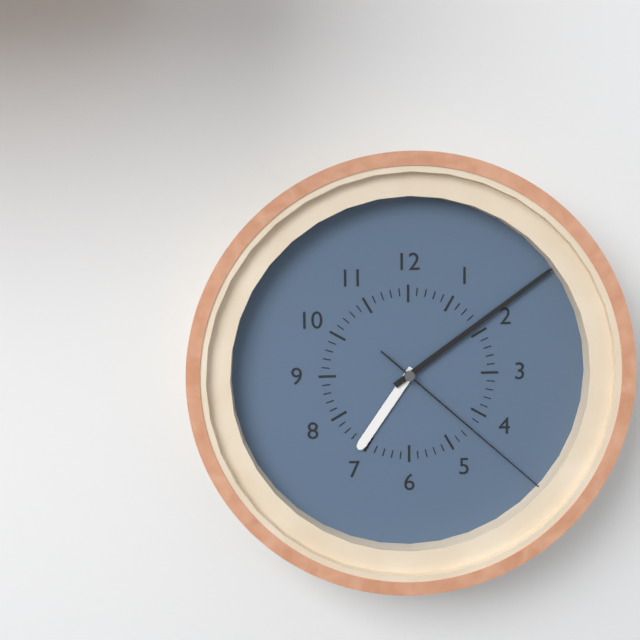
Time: {"hour": 7, "minute": 9, "second": 22}
